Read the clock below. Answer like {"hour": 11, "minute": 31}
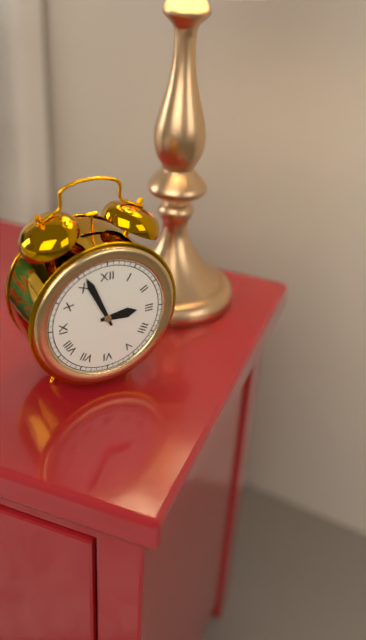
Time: {"hour": 2, "minute": 56}
